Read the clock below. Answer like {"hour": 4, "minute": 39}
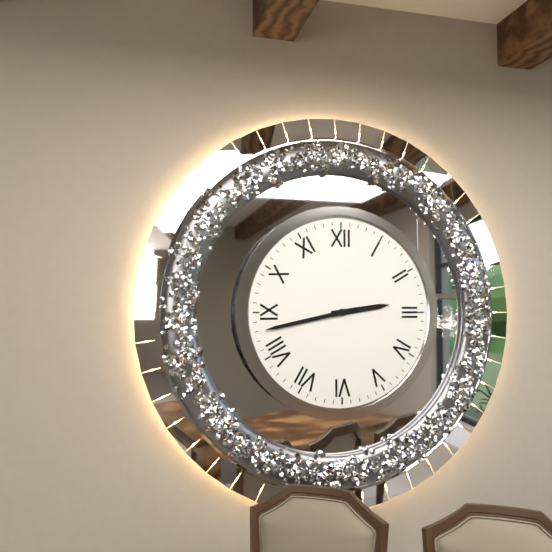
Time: {"hour": 2, "minute": 43}
